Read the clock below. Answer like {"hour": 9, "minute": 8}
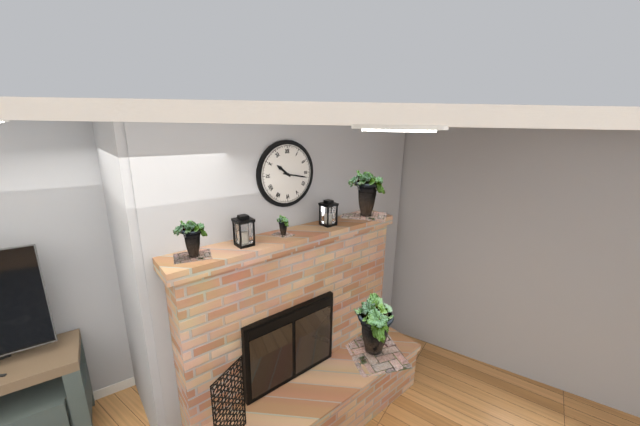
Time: {"hour": 10, "minute": 17}
